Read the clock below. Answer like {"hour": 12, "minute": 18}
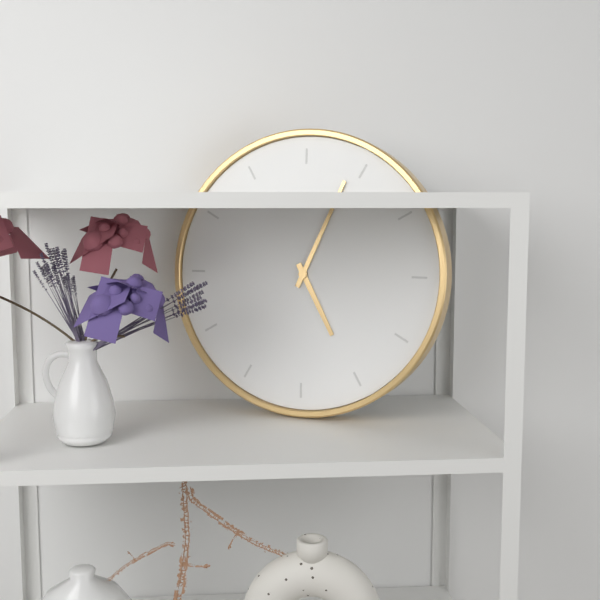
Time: {"hour": 5, "minute": 4}
